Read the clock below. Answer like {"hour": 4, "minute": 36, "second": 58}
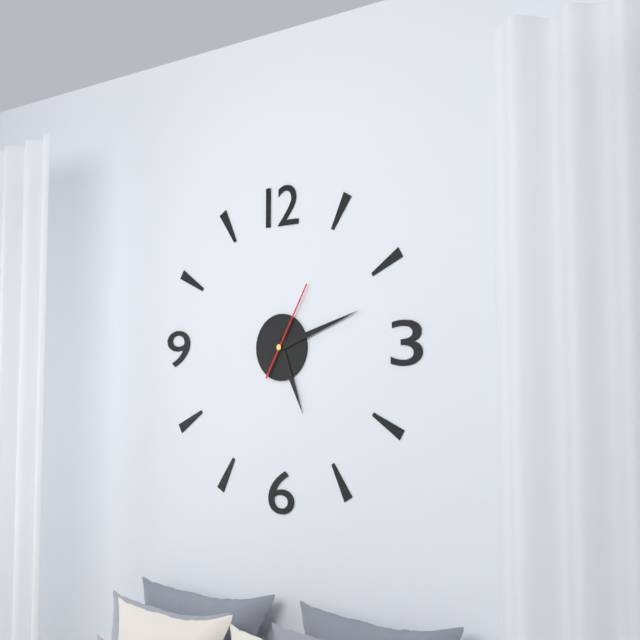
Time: {"hour": 5, "minute": 12, "second": 5}
